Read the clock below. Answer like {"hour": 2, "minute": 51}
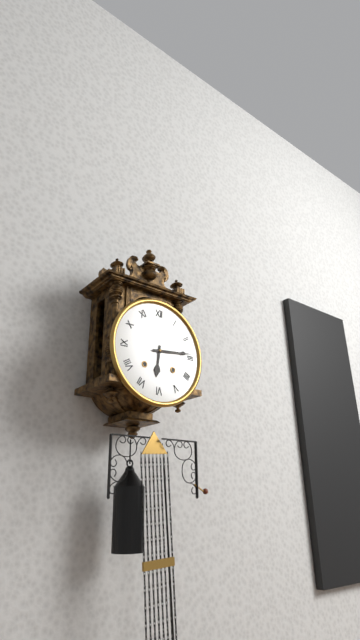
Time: {"hour": 6, "minute": 14}
